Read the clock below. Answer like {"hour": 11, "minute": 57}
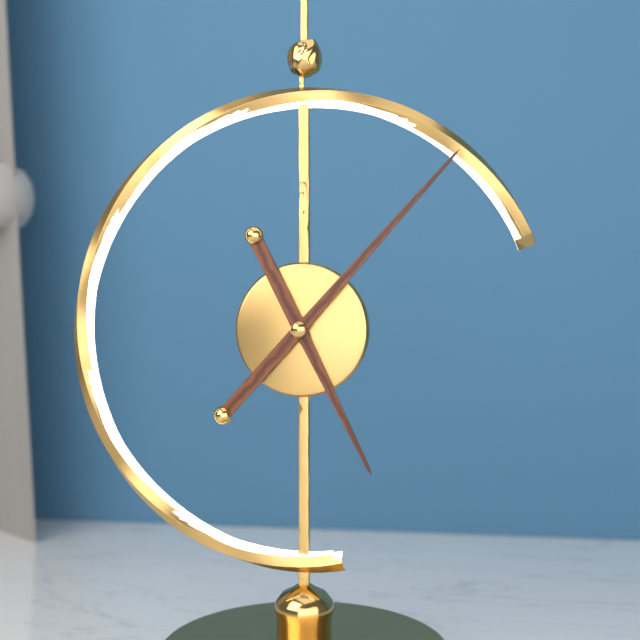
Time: {"hour": 5, "minute": 7}
